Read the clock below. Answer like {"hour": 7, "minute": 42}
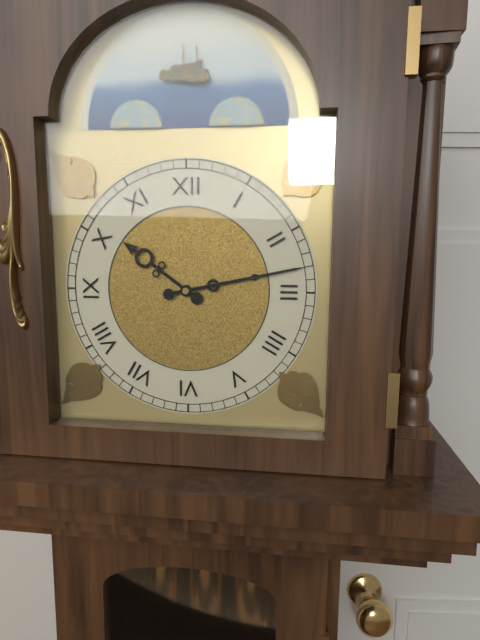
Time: {"hour": 10, "minute": 13}
